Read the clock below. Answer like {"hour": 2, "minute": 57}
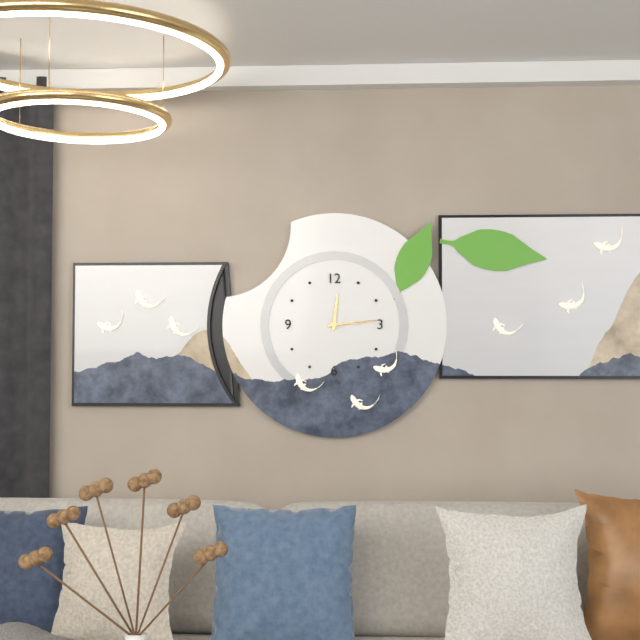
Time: {"hour": 12, "minute": 14}
